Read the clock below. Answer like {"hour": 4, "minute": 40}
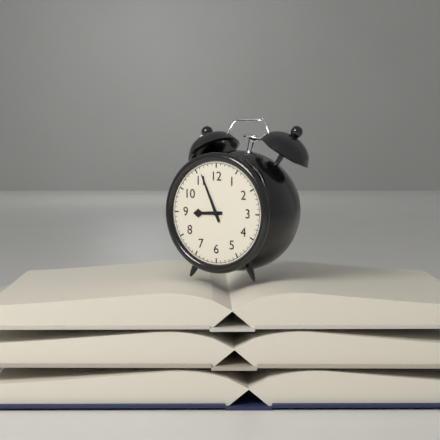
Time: {"hour": 8, "minute": 56}
